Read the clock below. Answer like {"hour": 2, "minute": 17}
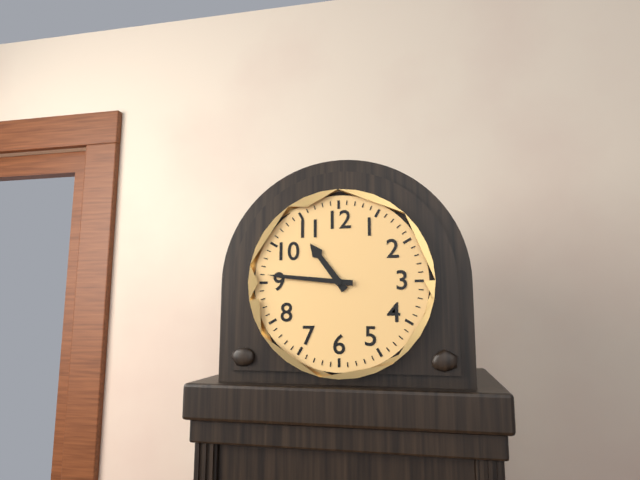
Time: {"hour": 10, "minute": 46}
